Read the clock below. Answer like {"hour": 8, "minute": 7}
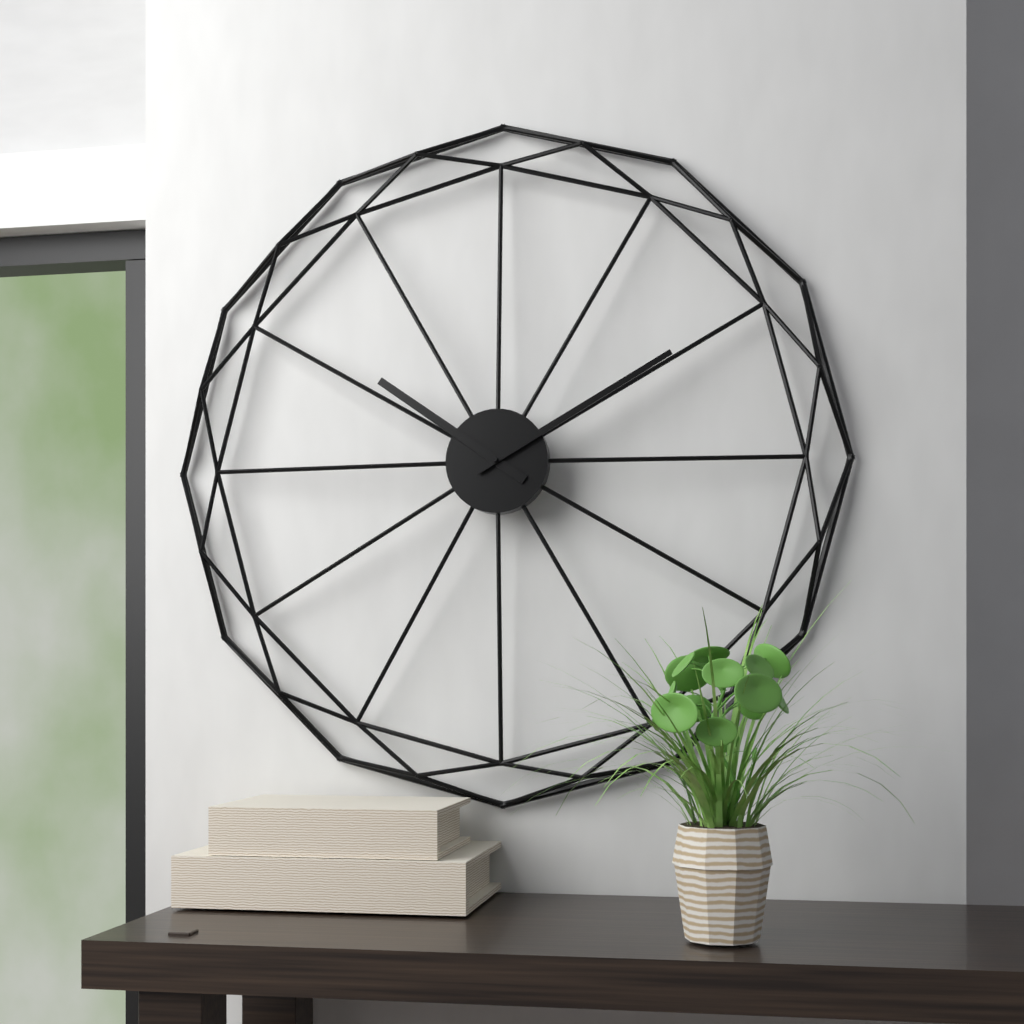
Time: {"hour": 10, "minute": 10}
